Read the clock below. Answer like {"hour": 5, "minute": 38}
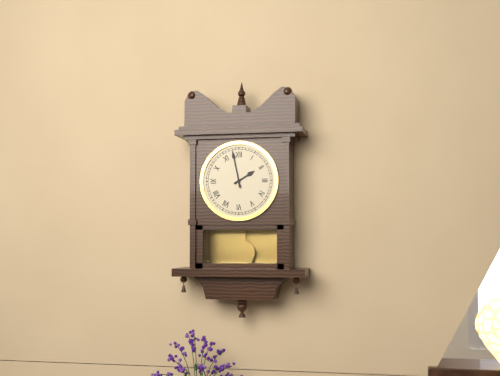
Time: {"hour": 1, "minute": 58}
